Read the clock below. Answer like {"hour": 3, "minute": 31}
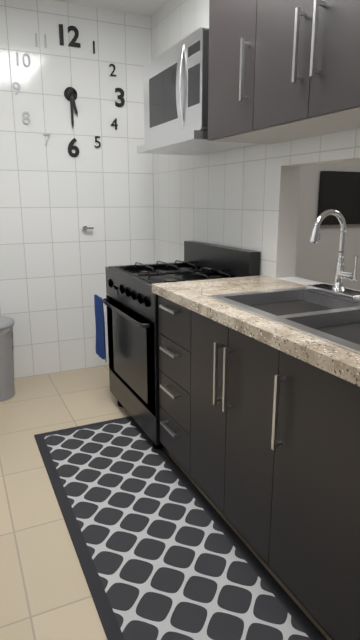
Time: {"hour": 5, "minute": 30}
